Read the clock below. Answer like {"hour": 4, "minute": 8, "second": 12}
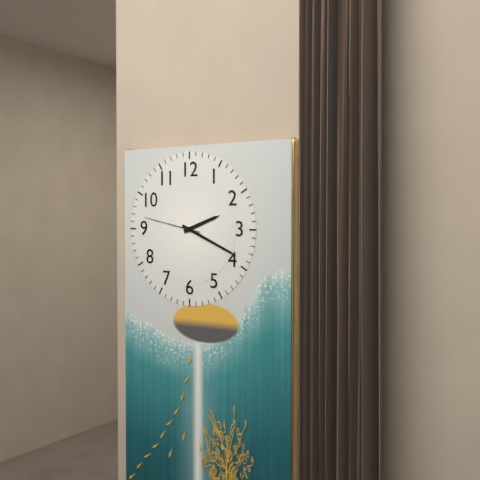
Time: {"hour": 2, "minute": 19, "second": 47}
